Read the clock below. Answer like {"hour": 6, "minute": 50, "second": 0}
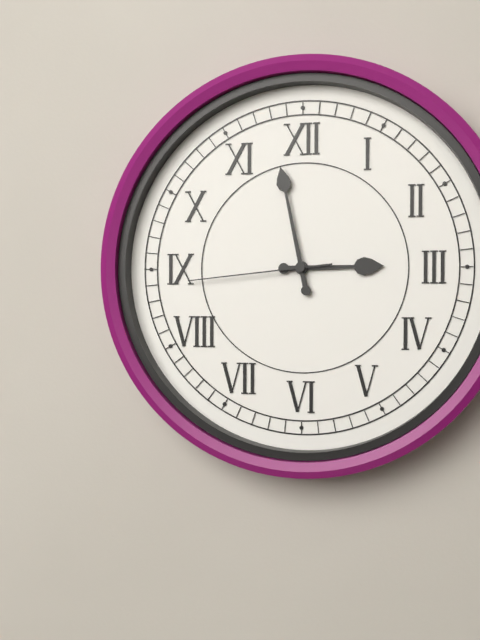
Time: {"hour": 2, "minute": 58, "second": 44}
